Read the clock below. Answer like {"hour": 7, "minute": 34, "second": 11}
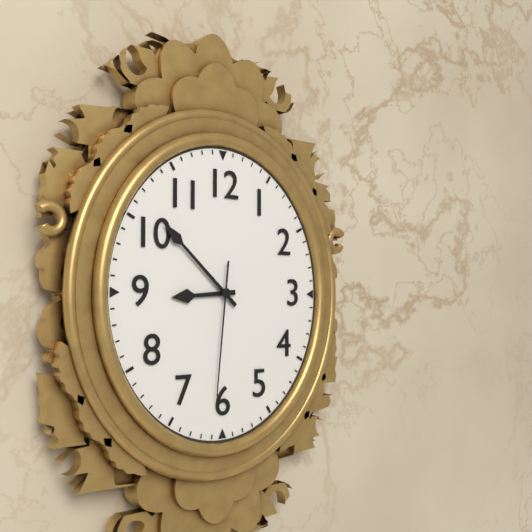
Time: {"hour": 8, "minute": 52, "second": 31}
